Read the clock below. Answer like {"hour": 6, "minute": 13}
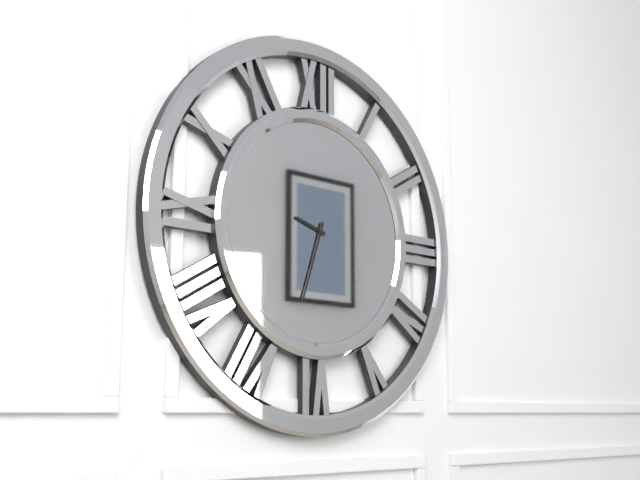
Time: {"hour": 9, "minute": 33}
